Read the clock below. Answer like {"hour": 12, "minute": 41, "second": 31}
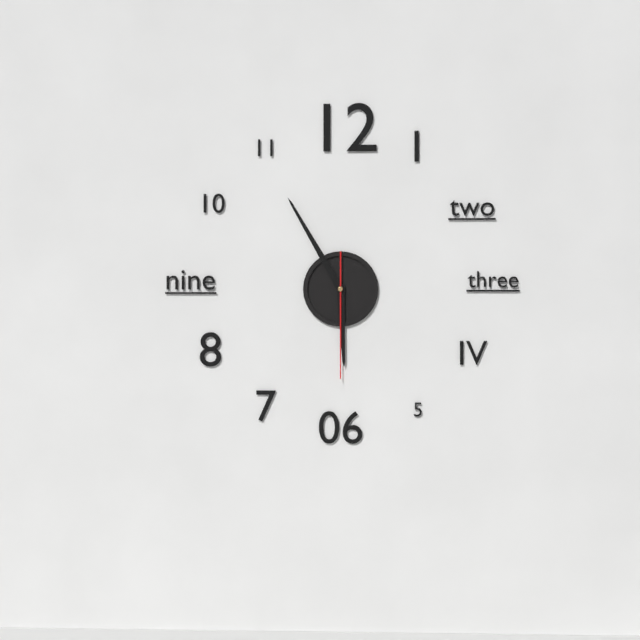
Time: {"hour": 5, "minute": 55, "second": 30}
